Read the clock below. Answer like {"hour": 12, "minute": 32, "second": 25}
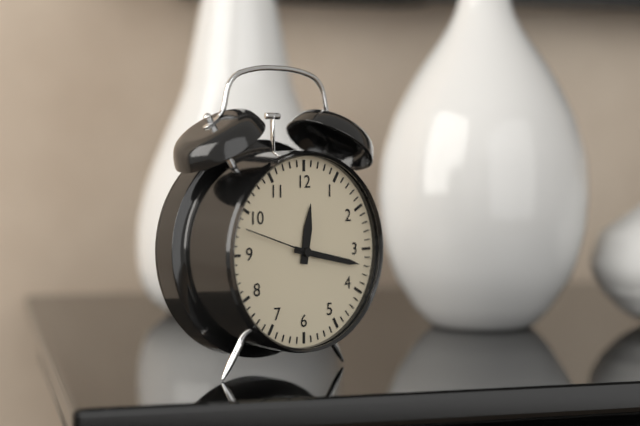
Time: {"hour": 12, "minute": 17, "second": 48}
